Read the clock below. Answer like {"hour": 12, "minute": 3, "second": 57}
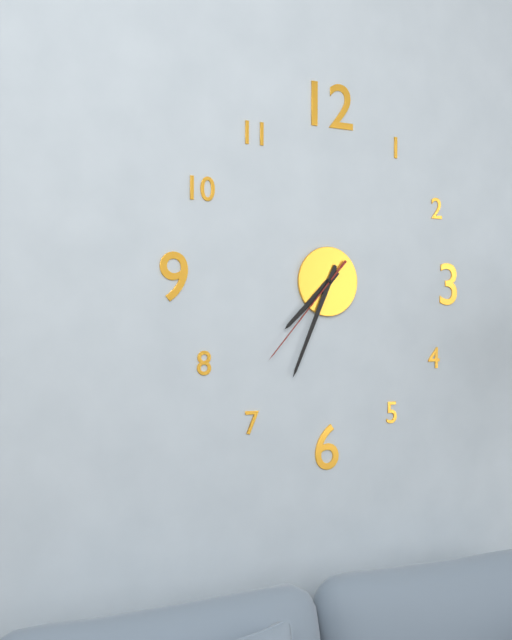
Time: {"hour": 7, "minute": 34, "second": 37}
